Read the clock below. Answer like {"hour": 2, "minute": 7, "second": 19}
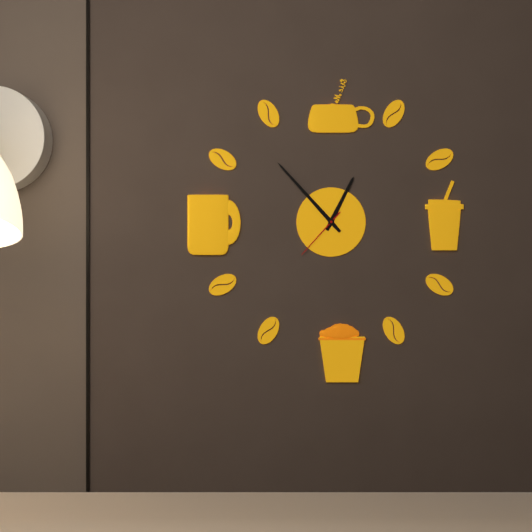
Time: {"hour": 12, "minute": 53, "second": 37}
